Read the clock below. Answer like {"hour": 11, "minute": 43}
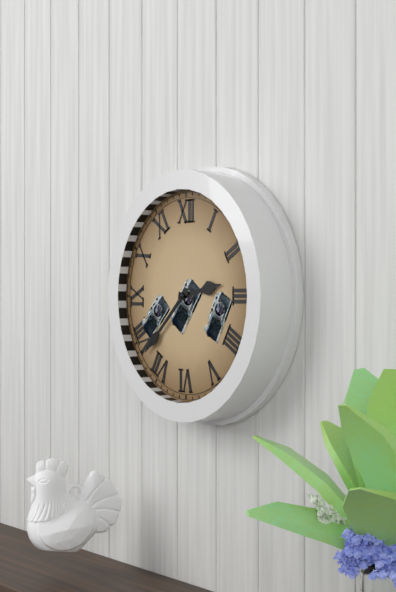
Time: {"hour": 2, "minute": 38}
